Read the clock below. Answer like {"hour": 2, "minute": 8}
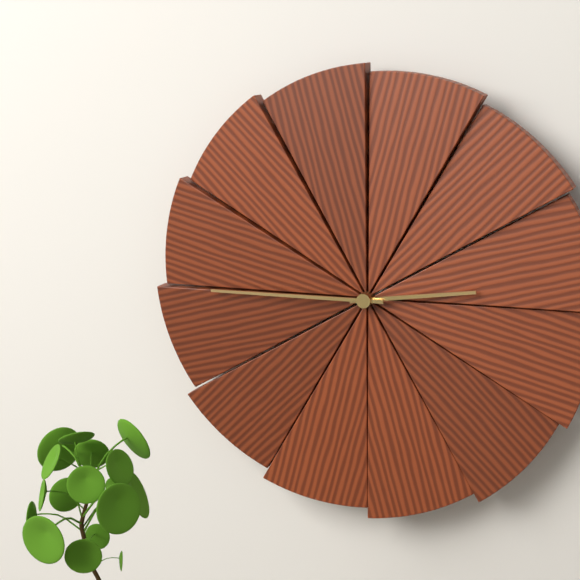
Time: {"hour": 2, "minute": 45}
